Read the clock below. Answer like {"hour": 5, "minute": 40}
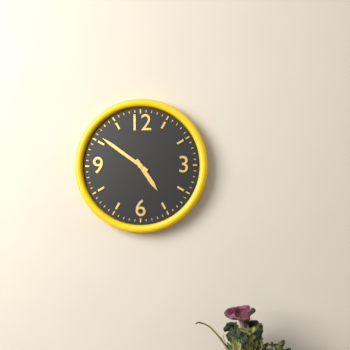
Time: {"hour": 4, "minute": 51}
